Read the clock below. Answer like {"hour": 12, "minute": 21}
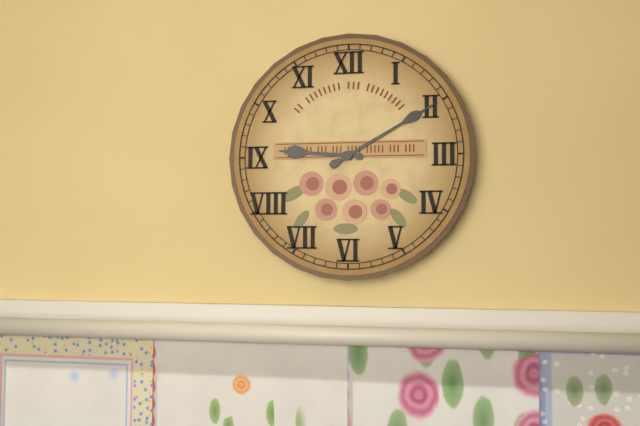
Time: {"hour": 9, "minute": 10}
